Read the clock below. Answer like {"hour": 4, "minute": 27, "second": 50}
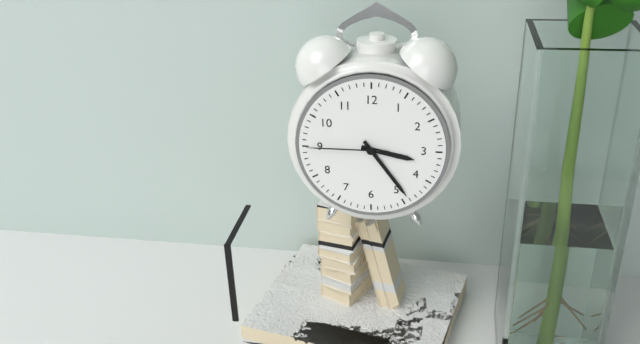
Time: {"hour": 3, "minute": 24, "second": 45}
